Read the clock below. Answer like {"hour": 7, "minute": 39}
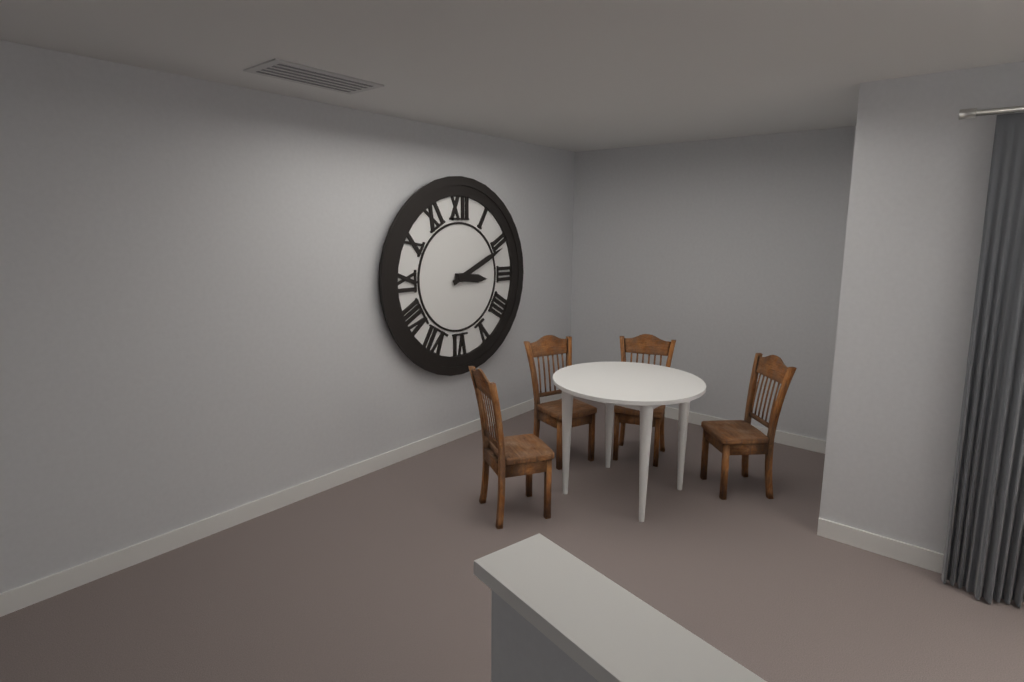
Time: {"hour": 3, "minute": 11}
